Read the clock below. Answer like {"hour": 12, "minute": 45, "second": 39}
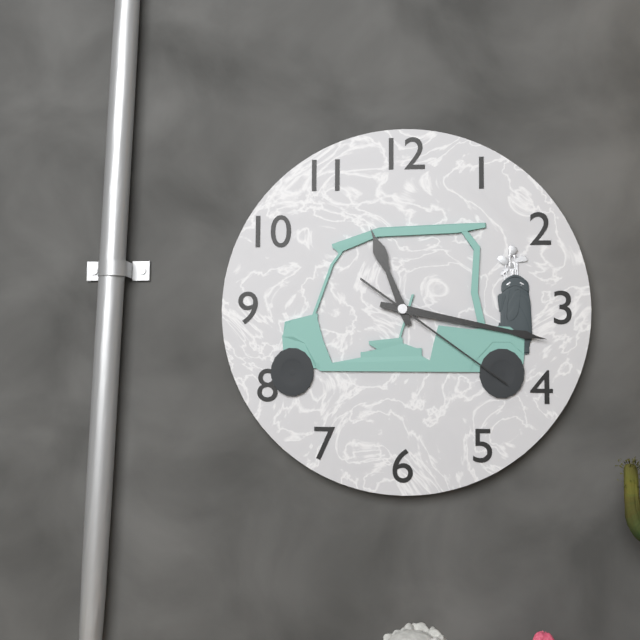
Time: {"hour": 11, "minute": 17, "second": 21}
